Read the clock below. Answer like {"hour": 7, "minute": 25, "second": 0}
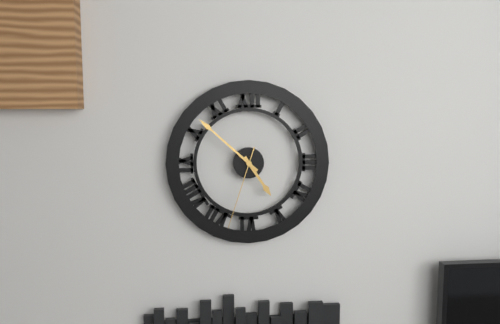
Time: {"hour": 4, "minute": 52, "second": 33}
